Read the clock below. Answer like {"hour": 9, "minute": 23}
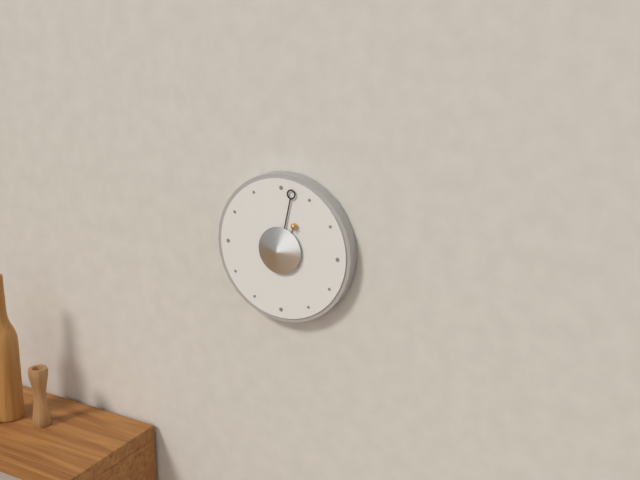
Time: {"hour": 1, "minute": 2}
